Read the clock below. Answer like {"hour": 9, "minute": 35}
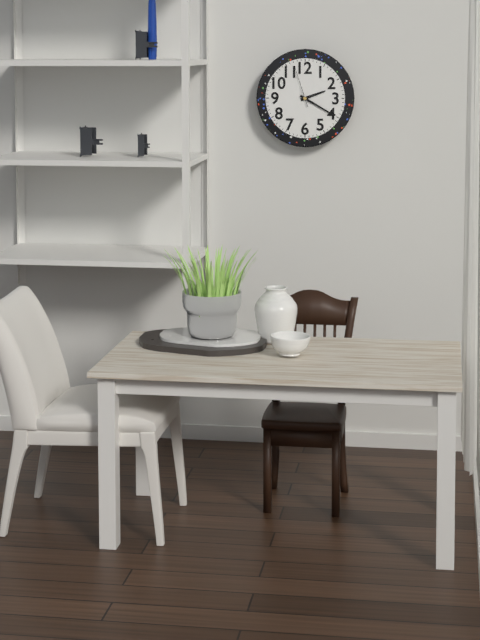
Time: {"hour": 2, "minute": 20}
